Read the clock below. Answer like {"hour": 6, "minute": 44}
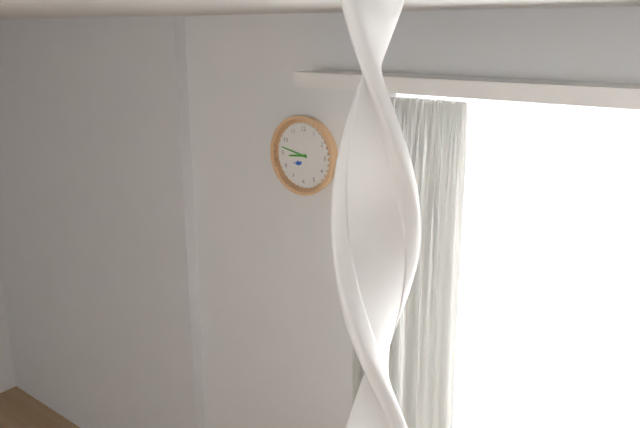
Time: {"hour": 8, "minute": 47}
